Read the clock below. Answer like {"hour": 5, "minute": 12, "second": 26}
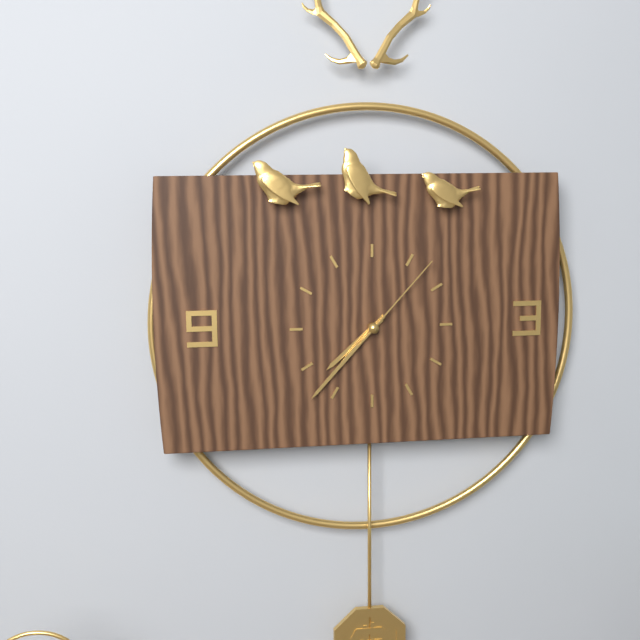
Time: {"hour": 7, "minute": 37, "second": 7}
